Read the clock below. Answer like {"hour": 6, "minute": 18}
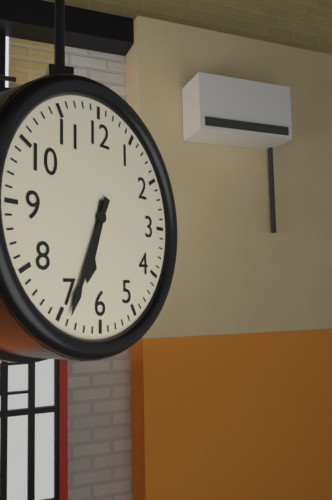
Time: {"hour": 6, "minute": 34}
